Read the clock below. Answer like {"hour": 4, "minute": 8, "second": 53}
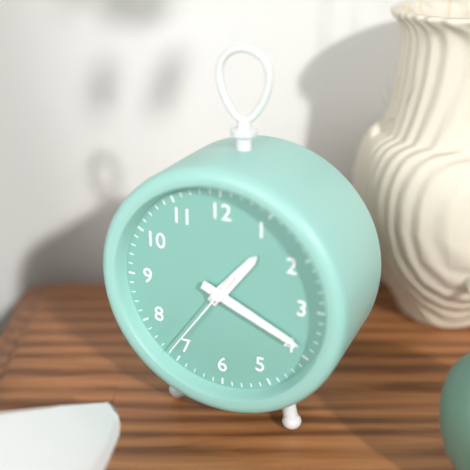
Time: {"hour": 1, "minute": 19, "second": 36}
